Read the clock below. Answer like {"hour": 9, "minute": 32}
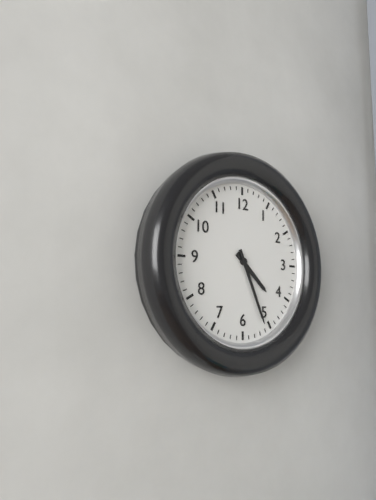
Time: {"hour": 4, "minute": 26}
